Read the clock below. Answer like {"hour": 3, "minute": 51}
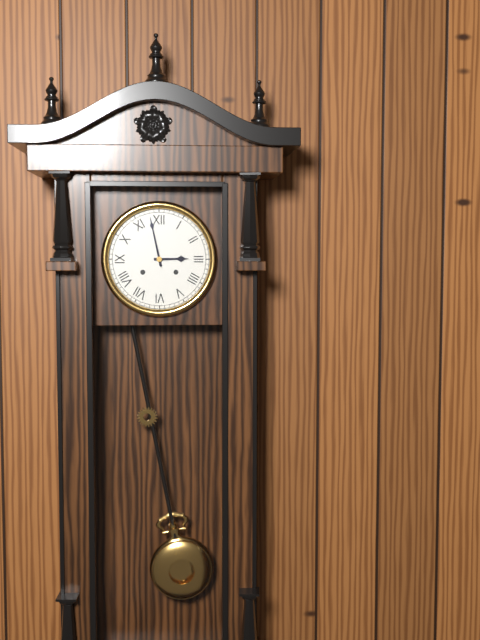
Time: {"hour": 2, "minute": 58}
